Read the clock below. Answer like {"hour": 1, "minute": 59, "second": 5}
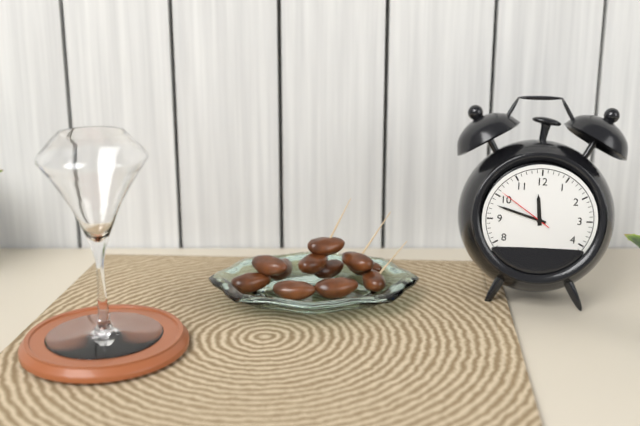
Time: {"hour": 11, "minute": 48, "second": 51}
